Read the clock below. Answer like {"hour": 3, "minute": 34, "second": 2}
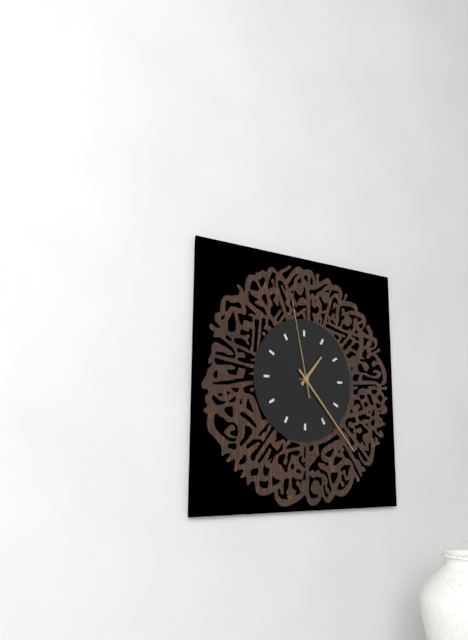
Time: {"hour": 1, "minute": 23, "second": 58}
